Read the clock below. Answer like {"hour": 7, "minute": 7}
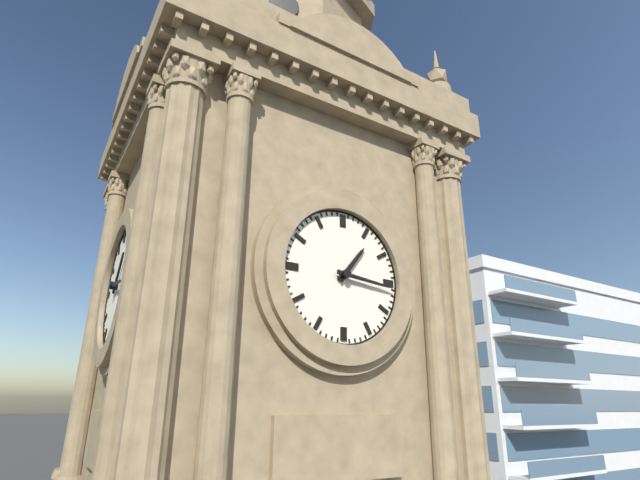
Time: {"hour": 1, "minute": 16}
